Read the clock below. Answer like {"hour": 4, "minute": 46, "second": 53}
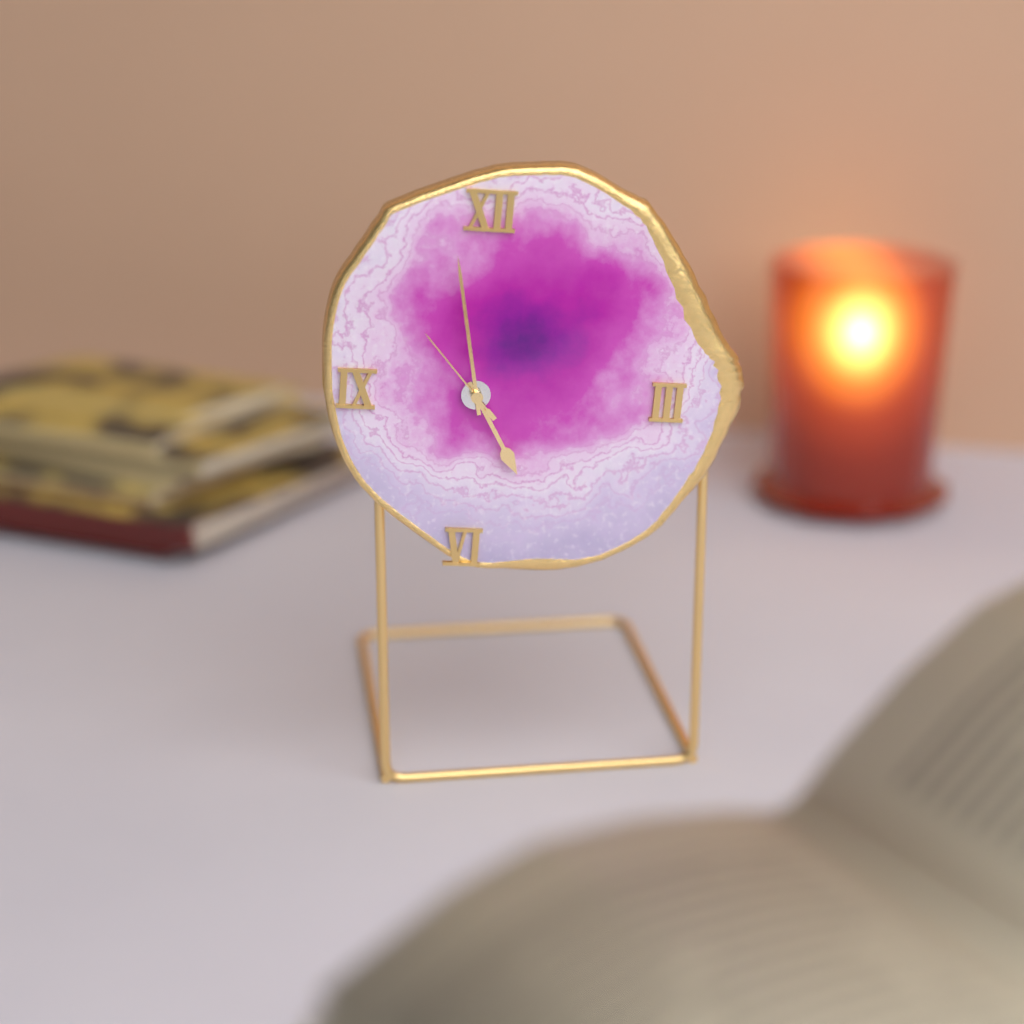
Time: {"hour": 4, "minute": 58, "second": 53}
